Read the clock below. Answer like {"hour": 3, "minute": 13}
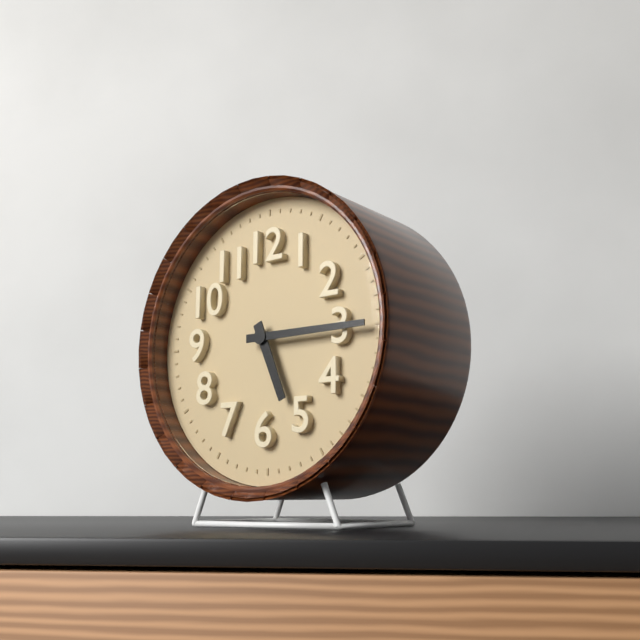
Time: {"hour": 5, "minute": 15}
